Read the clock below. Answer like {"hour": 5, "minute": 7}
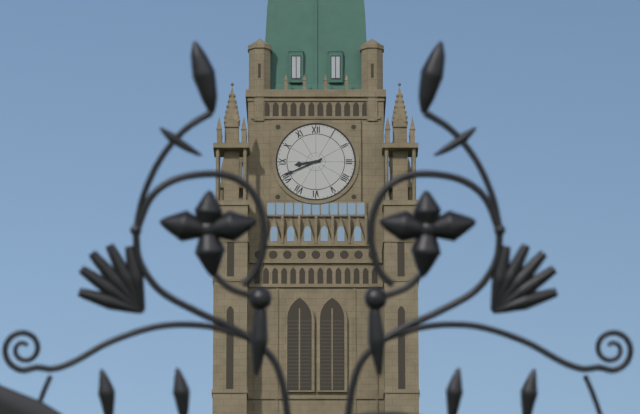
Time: {"hour": 8, "minute": 41}
